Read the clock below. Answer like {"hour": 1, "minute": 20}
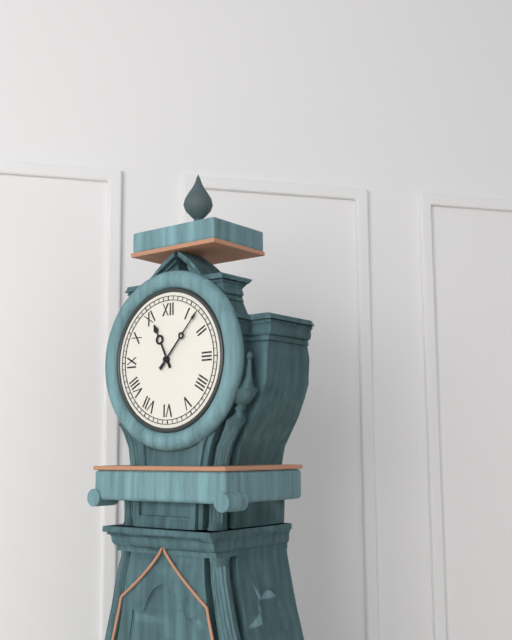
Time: {"hour": 11, "minute": 7}
